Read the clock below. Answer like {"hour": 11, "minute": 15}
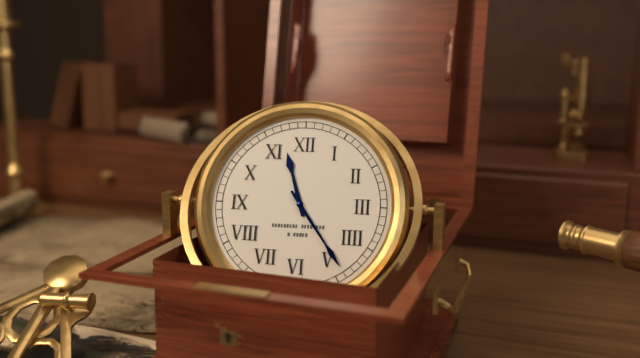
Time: {"hour": 11, "minute": 24}
